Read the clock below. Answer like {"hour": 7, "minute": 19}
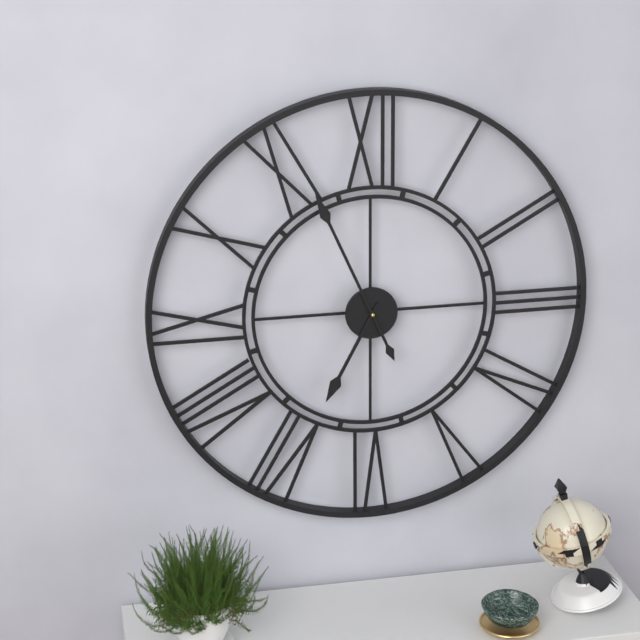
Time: {"hour": 6, "minute": 56}
